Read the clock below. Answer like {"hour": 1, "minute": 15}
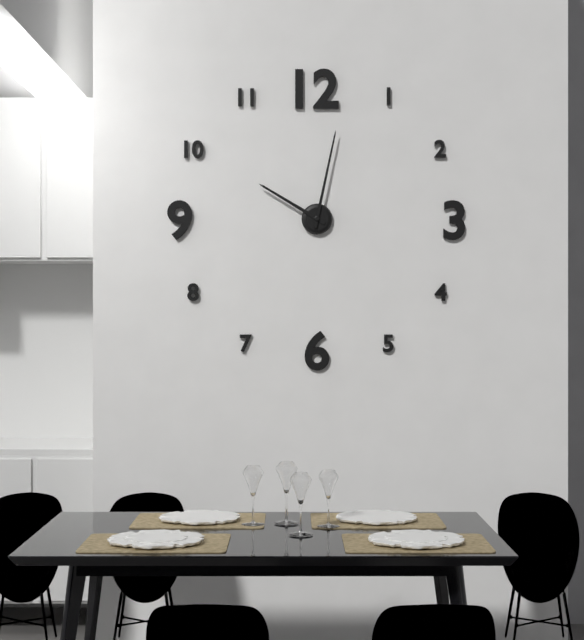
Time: {"hour": 10, "minute": 2}
